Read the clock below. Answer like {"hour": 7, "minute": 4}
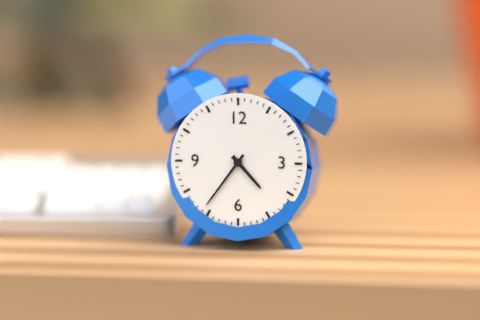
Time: {"hour": 4, "minute": 36}
